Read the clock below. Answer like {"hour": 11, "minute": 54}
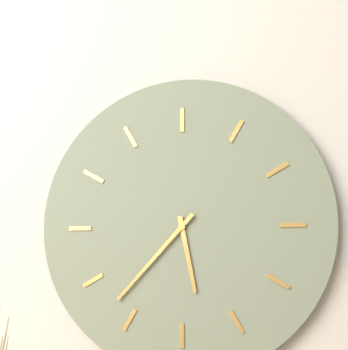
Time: {"hour": 5, "minute": 37}
